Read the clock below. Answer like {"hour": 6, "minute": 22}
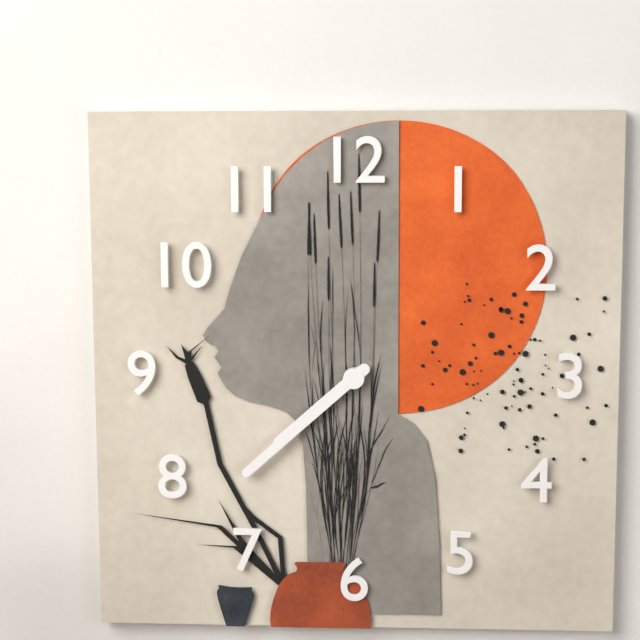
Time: {"hour": 7, "minute": 38}
